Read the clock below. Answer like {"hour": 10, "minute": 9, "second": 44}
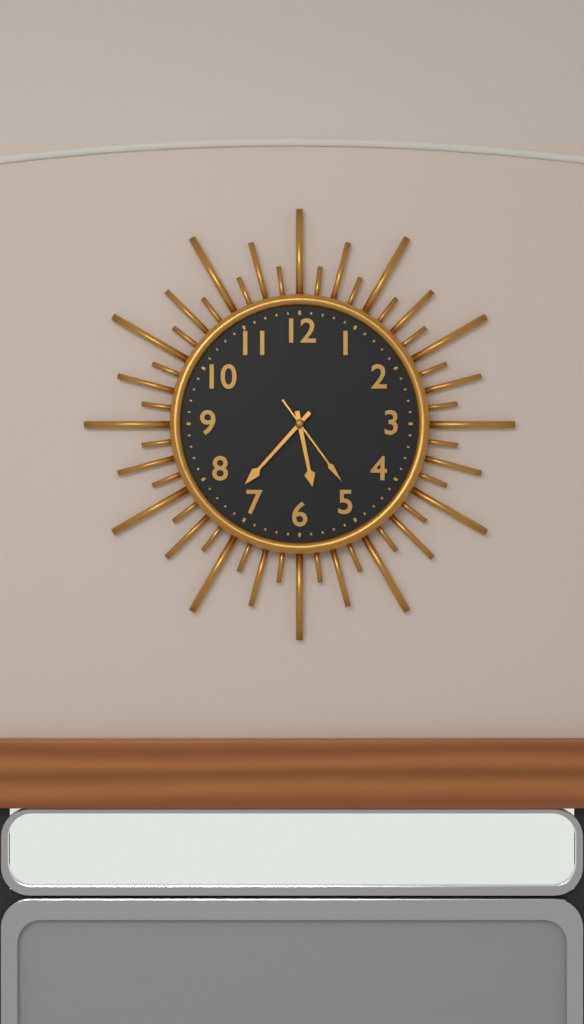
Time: {"hour": 5, "minute": 37, "second": 24}
